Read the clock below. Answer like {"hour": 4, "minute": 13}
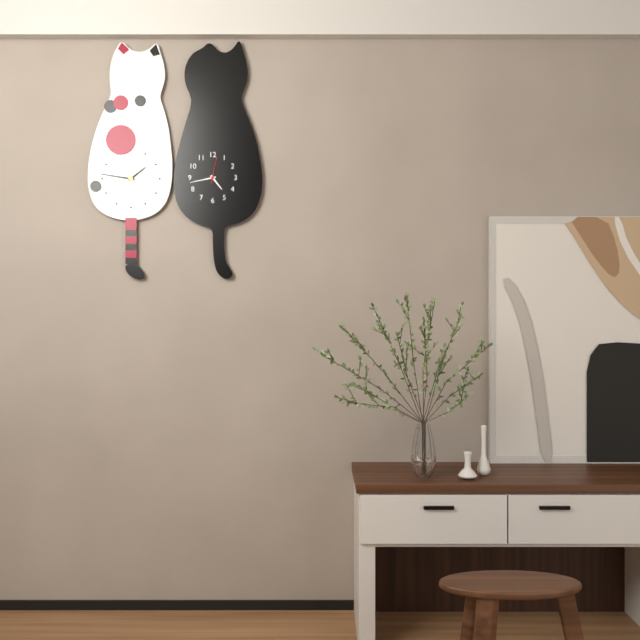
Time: {"hour": 4, "minute": 43}
